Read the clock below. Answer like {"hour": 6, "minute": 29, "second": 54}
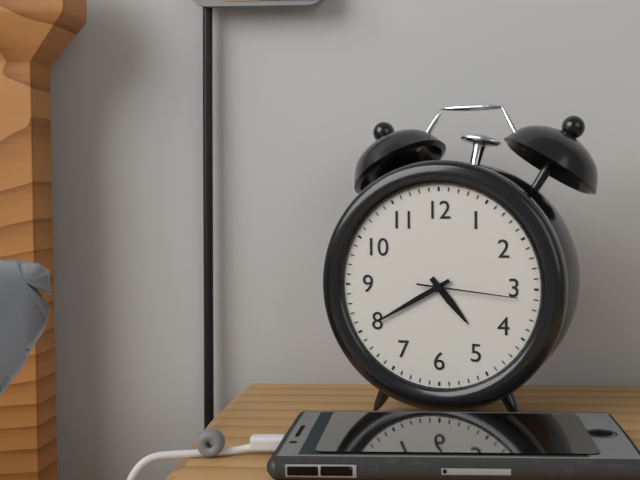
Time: {"hour": 4, "minute": 40, "second": 16}
